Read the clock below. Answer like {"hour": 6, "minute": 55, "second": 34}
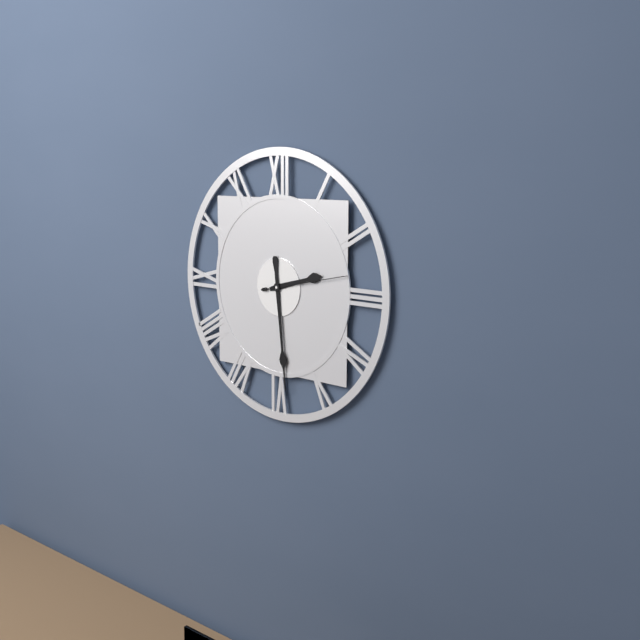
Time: {"hour": 2, "minute": 29, "second": 13}
